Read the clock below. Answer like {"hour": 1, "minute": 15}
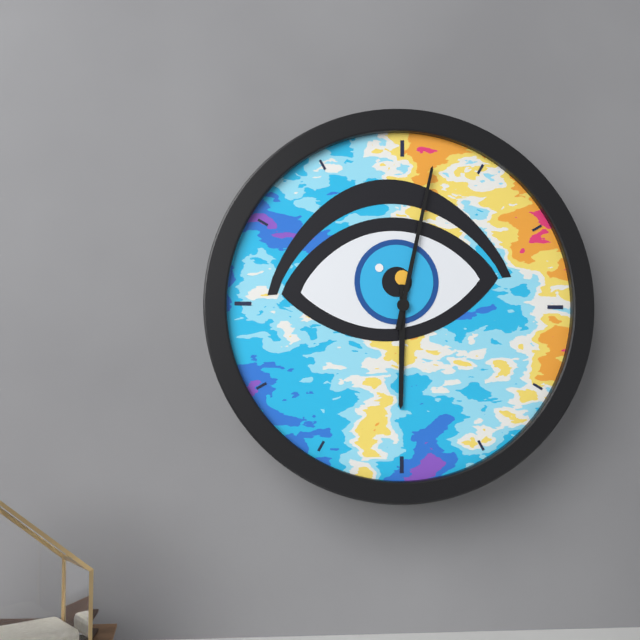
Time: {"hour": 6, "minute": 2}
